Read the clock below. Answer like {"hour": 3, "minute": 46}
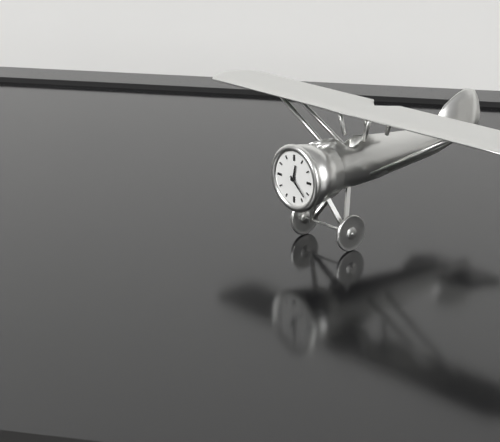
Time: {"hour": 12, "minute": 22}
